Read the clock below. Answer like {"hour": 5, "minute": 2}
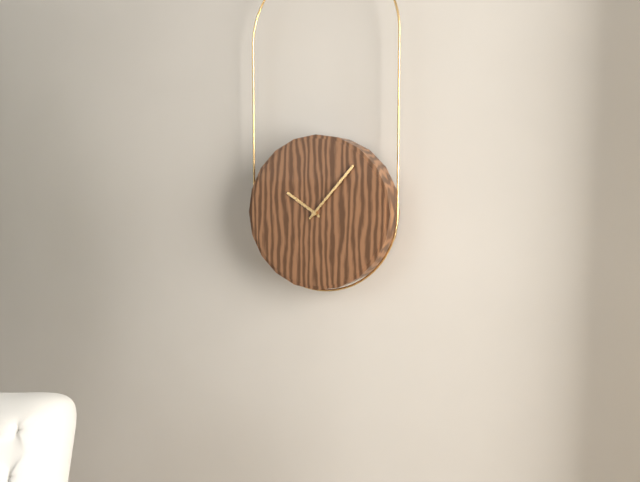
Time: {"hour": 10, "minute": 7}
